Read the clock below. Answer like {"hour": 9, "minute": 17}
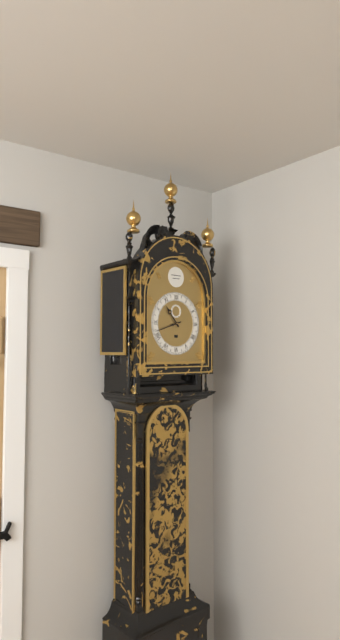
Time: {"hour": 10, "minute": 42}
